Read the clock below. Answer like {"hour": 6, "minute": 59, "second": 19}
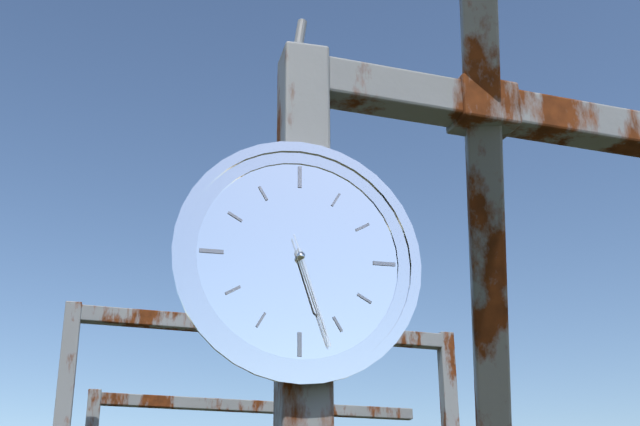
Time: {"hour": 5, "minute": 27, "second": 27}
